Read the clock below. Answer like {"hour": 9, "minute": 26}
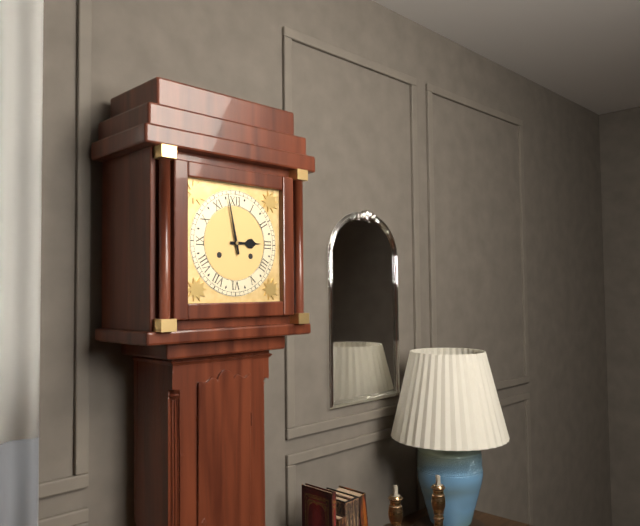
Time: {"hour": 2, "minute": 58}
